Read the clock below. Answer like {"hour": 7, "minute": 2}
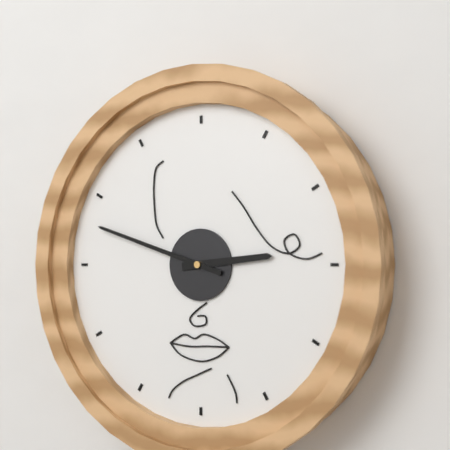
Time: {"hour": 2, "minute": 48}
